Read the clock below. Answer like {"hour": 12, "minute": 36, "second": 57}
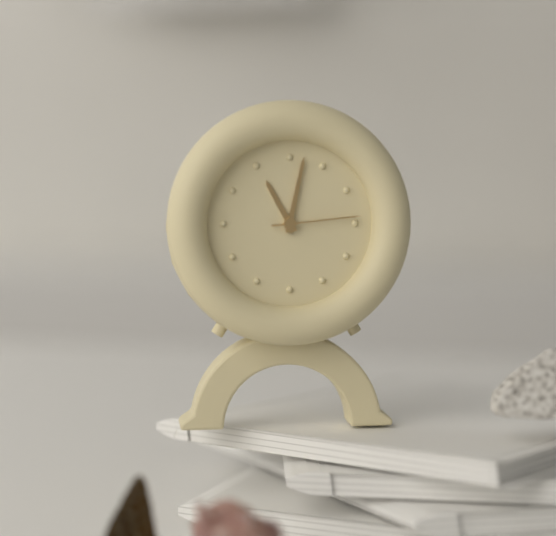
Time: {"hour": 11, "minute": 2, "second": 14}
